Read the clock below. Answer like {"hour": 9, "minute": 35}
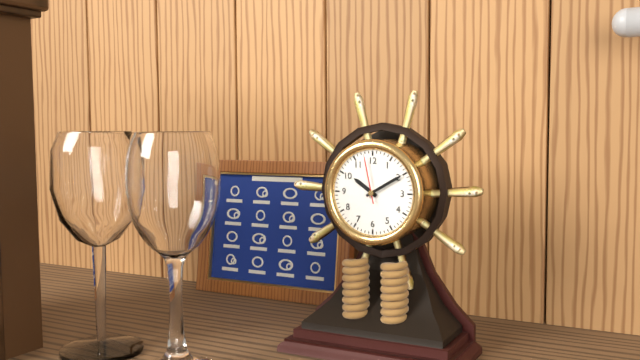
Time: {"hour": 10, "minute": 10}
